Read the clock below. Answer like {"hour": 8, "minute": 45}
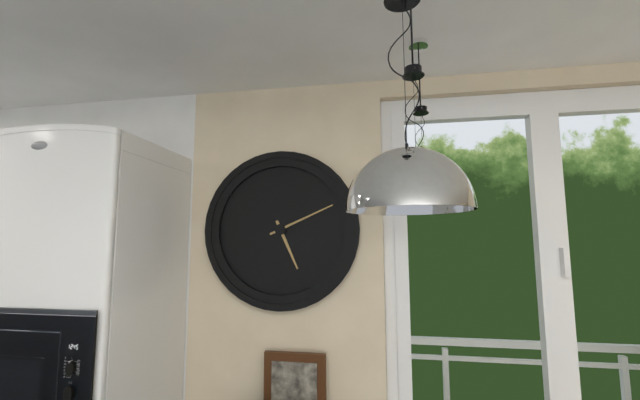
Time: {"hour": 5, "minute": 11}
